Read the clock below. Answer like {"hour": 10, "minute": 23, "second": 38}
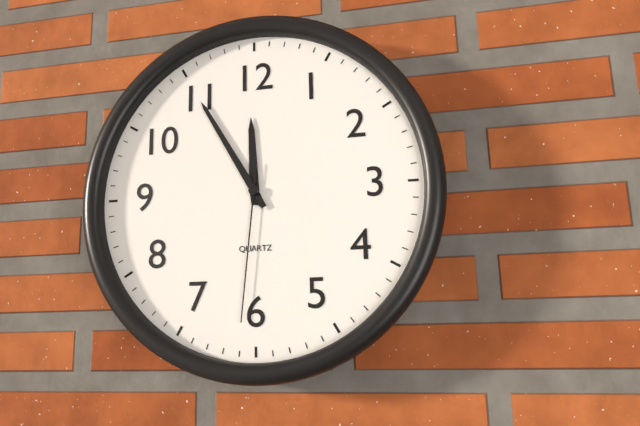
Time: {"hour": 11, "minute": 55, "second": 31}
